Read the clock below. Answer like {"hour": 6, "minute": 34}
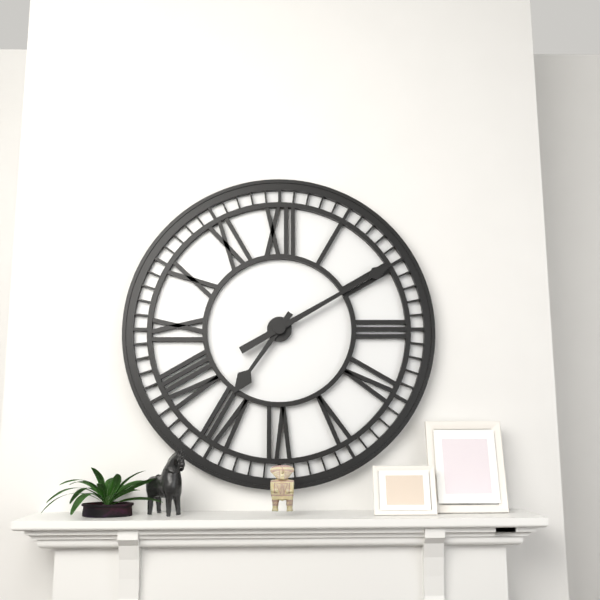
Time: {"hour": 7, "minute": 10}
